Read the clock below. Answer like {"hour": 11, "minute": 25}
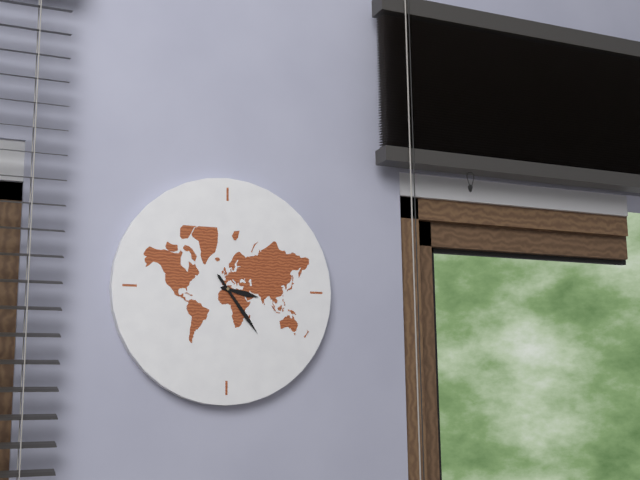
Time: {"hour": 3, "minute": 24}
